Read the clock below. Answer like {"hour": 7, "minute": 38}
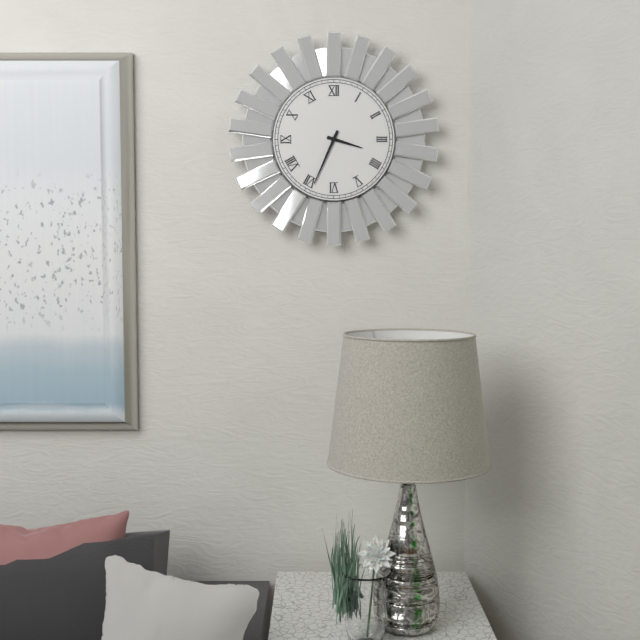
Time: {"hour": 3, "minute": 34}
